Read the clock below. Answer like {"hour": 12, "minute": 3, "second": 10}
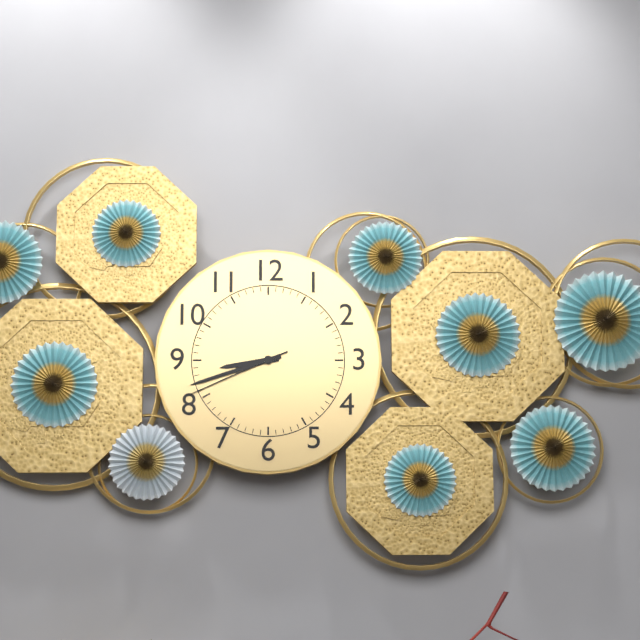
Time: {"hour": 8, "minute": 42, "second": 41}
